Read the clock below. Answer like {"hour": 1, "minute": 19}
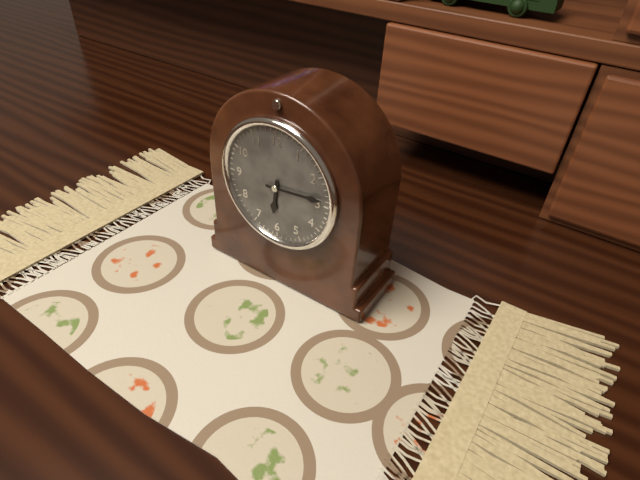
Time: {"hour": 6, "minute": 14}
